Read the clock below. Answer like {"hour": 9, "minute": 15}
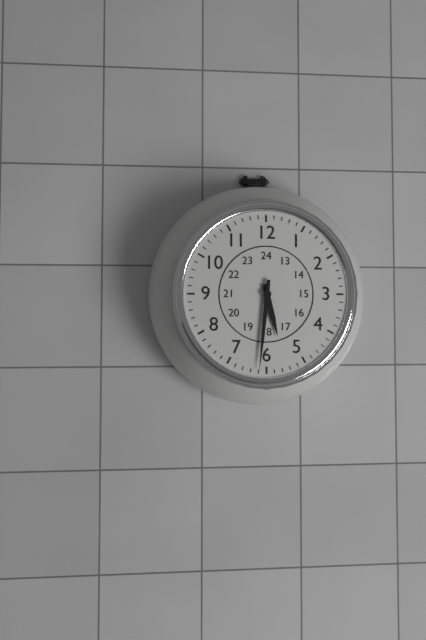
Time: {"hour": 5, "minute": 31}
